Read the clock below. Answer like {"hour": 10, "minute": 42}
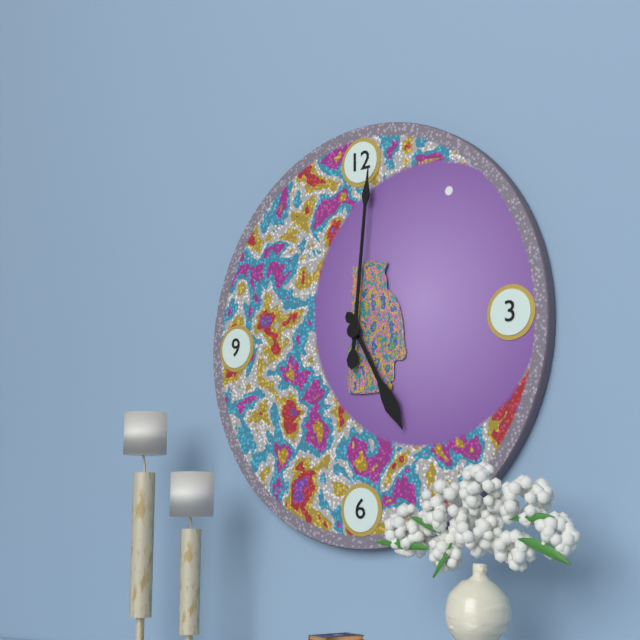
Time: {"hour": 5, "minute": 1}
